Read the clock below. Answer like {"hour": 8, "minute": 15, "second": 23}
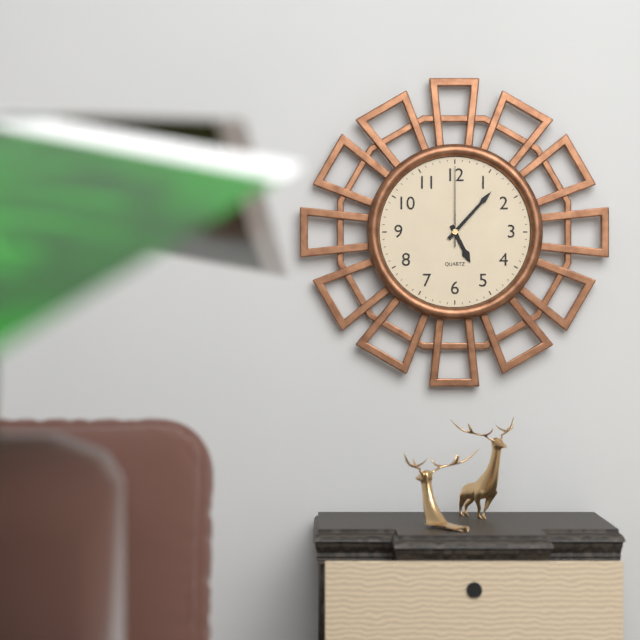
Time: {"hour": 5, "minute": 7, "second": 0}
